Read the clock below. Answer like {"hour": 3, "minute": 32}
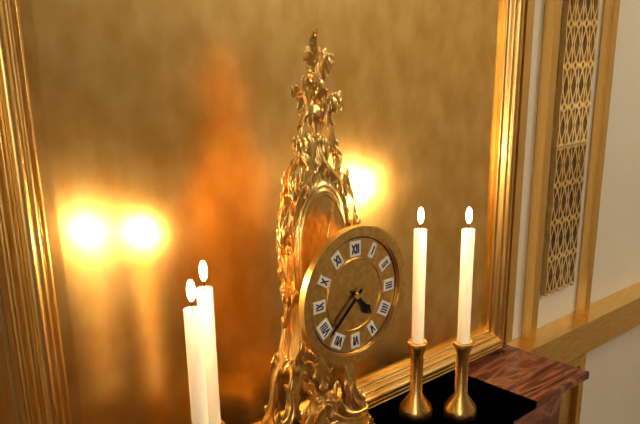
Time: {"hour": 4, "minute": 38}
